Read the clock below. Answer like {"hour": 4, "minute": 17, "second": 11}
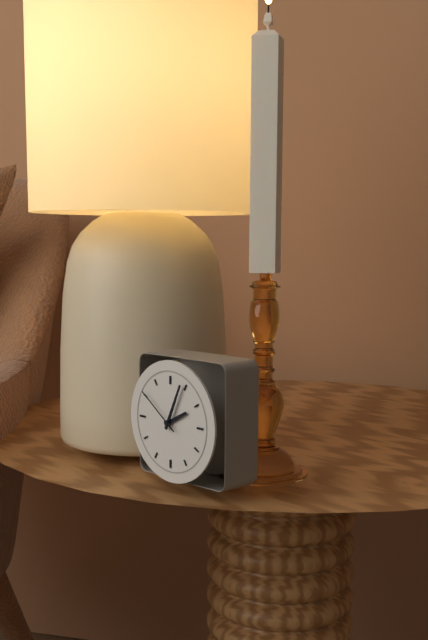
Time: {"hour": 2, "minute": 4, "second": 51}
